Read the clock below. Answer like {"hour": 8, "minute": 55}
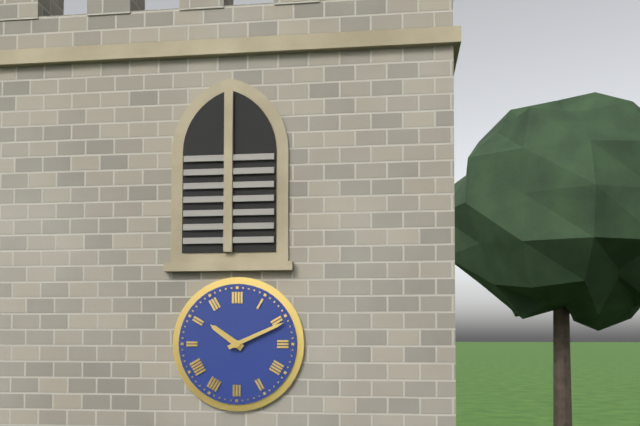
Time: {"hour": 10, "minute": 11}
